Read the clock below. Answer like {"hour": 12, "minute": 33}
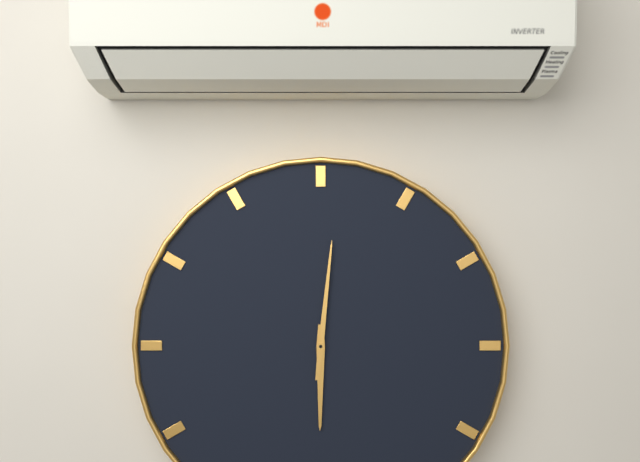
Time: {"hour": 6, "minute": 1}
